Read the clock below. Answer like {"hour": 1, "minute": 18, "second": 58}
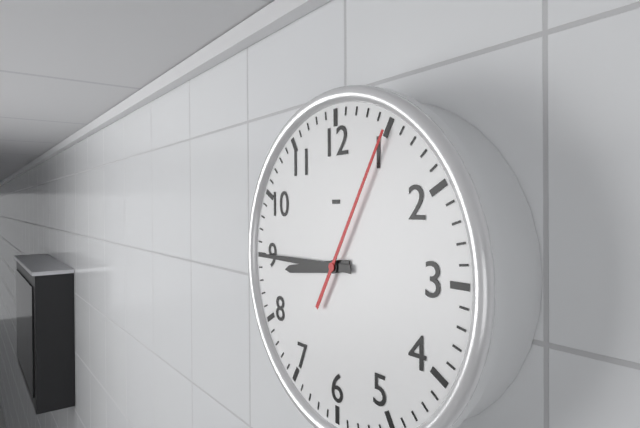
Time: {"hour": 8, "minute": 45, "second": 5}
